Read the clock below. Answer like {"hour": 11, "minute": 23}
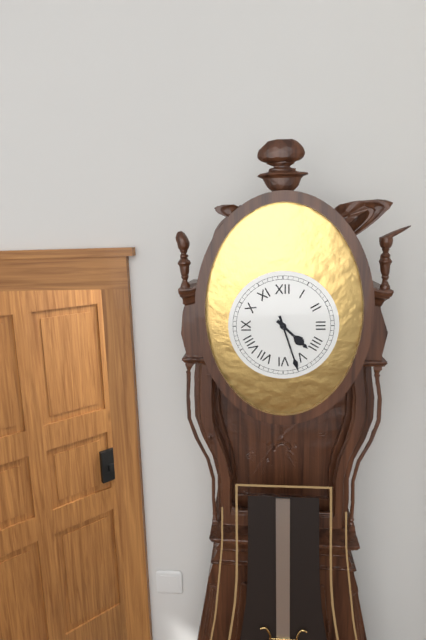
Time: {"hour": 4, "minute": 27}
